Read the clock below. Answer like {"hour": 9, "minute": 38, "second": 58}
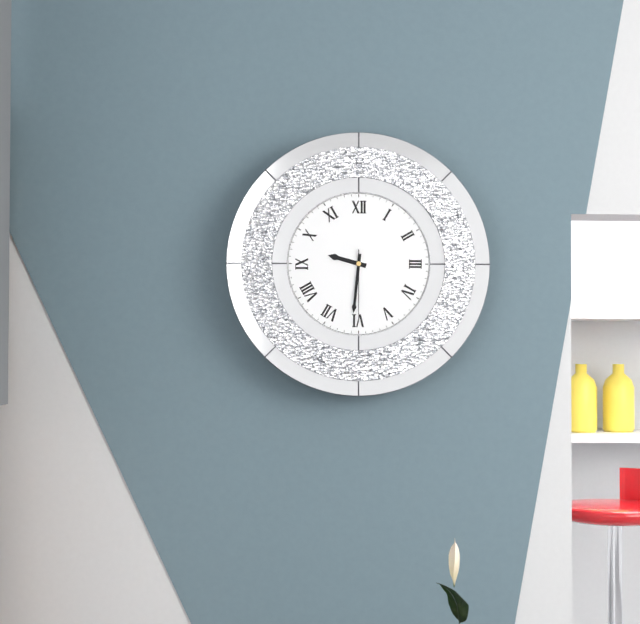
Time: {"hour": 9, "minute": 31, "second": 30}
